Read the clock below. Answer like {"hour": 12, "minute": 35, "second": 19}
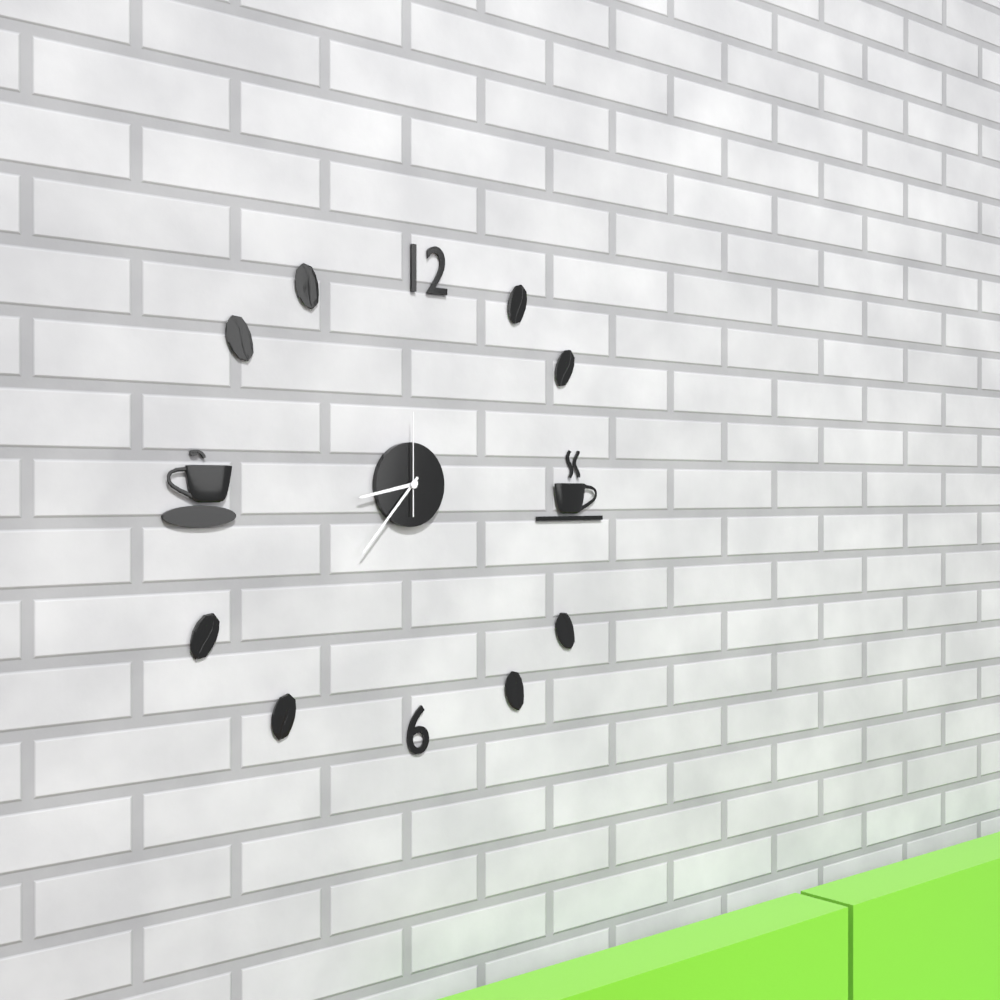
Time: {"hour": 8, "minute": 37, "second": 0}
